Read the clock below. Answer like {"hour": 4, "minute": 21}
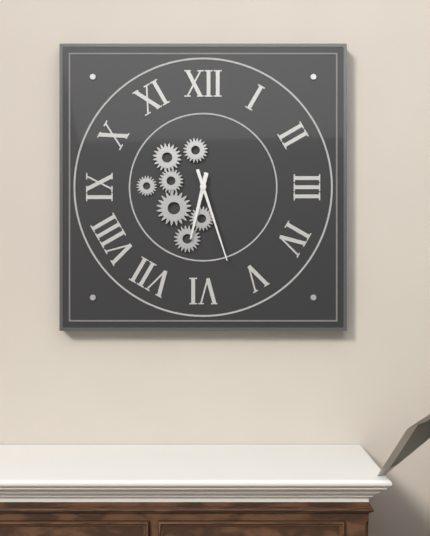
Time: {"hour": 6, "minute": 27}
